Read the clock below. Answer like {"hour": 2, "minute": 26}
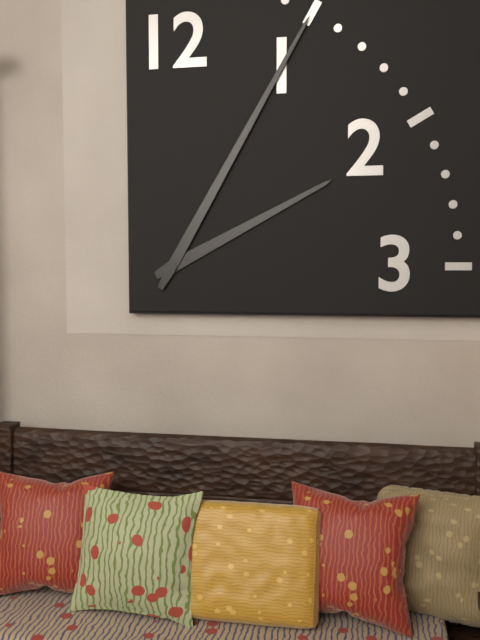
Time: {"hour": 2, "minute": 5}
